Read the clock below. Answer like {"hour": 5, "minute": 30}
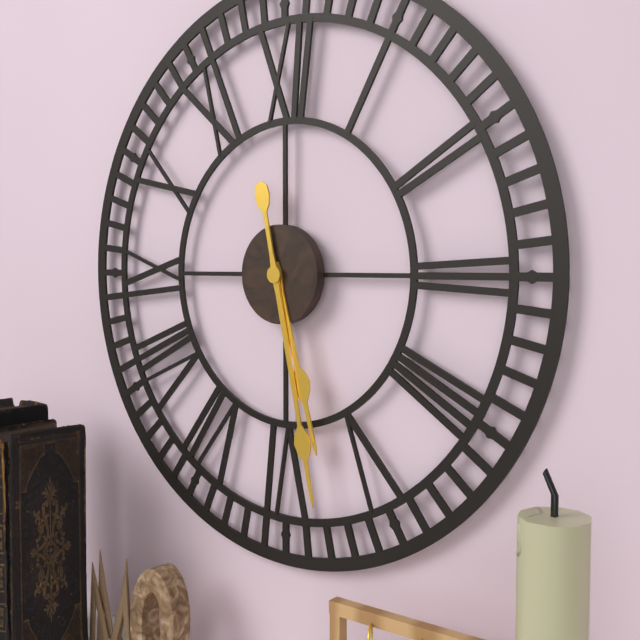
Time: {"hour": 5, "minute": 28}
